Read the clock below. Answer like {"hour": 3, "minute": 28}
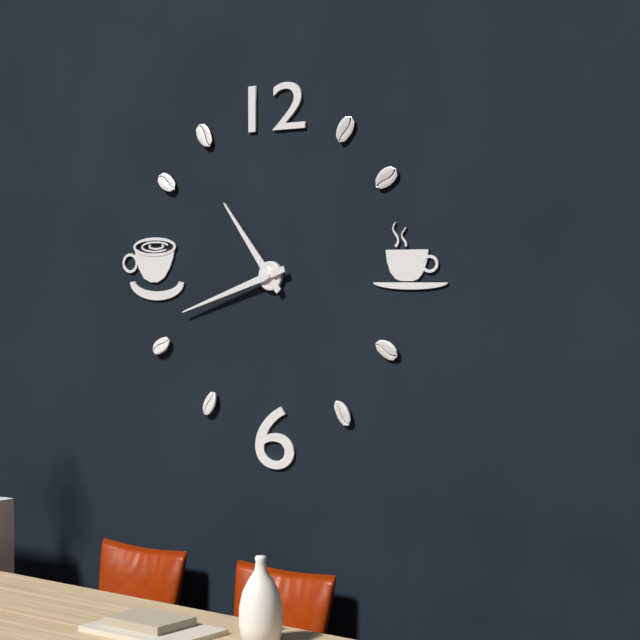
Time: {"hour": 10, "minute": 42}
